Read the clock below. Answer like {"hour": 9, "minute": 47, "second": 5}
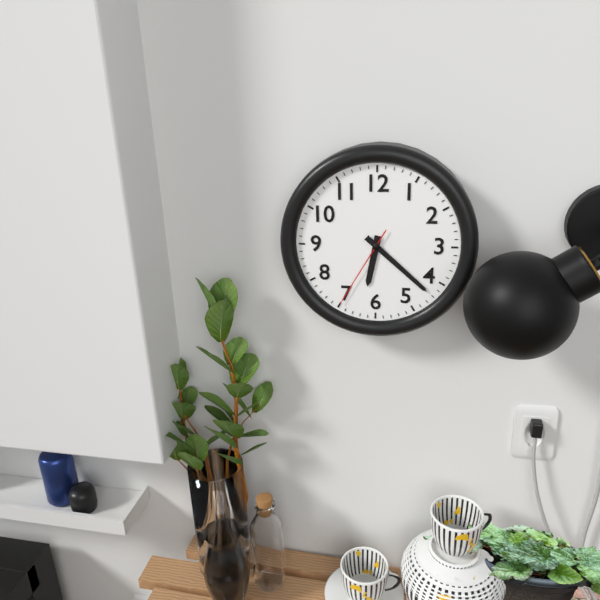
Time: {"hour": 6, "minute": 22, "second": 35}
